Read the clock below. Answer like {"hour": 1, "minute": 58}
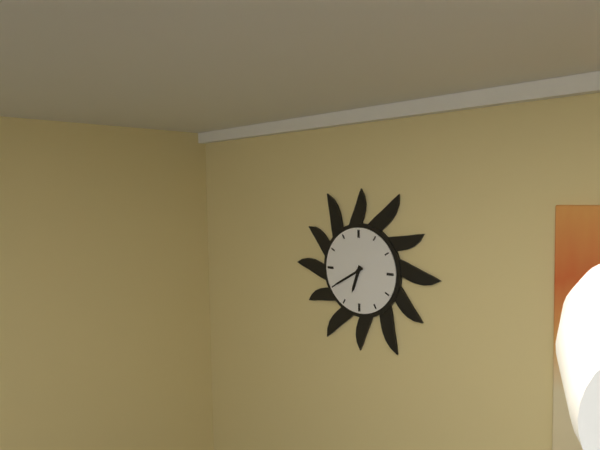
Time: {"hour": 6, "minute": 40}
